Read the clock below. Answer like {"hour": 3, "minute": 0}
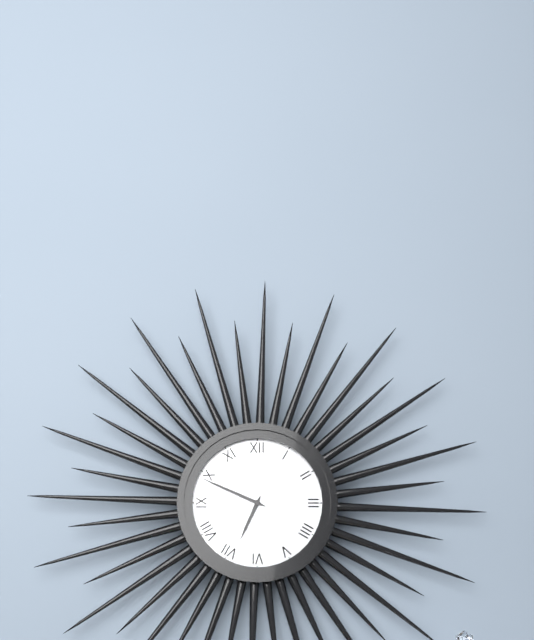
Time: {"hour": 6, "minute": 49}
